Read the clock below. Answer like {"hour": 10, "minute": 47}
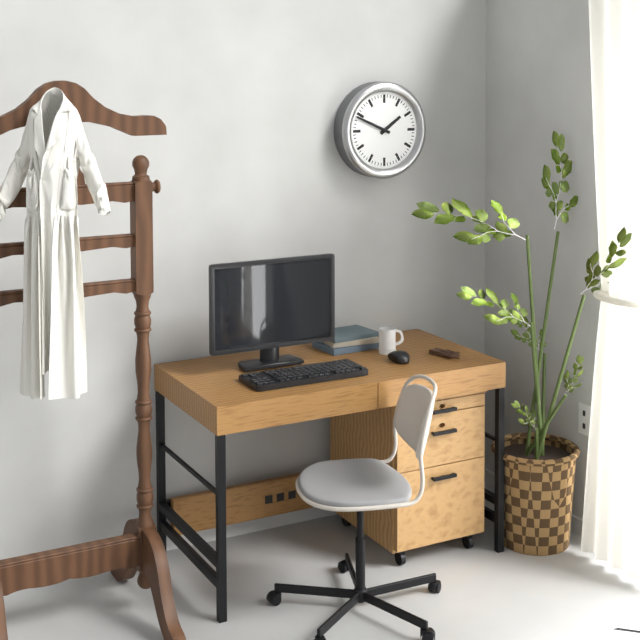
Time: {"hour": 1, "minute": 49}
